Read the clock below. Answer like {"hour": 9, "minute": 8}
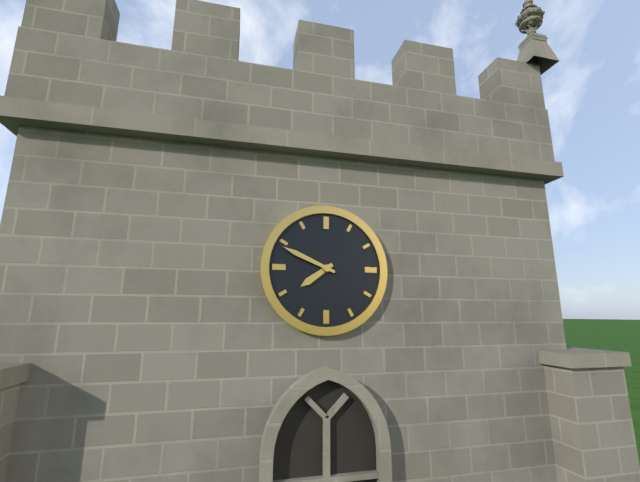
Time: {"hour": 7, "minute": 49}
